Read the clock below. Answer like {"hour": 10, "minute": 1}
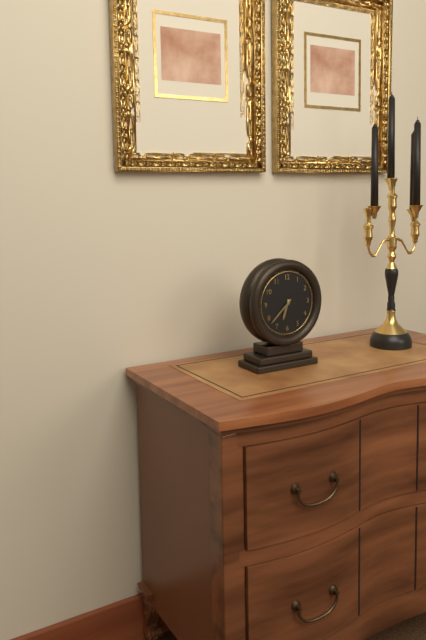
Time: {"hour": 6, "minute": 38}
